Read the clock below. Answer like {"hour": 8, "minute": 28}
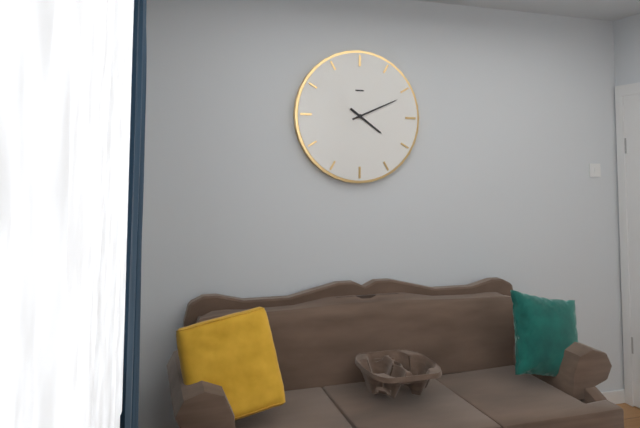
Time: {"hour": 4, "minute": 11}
